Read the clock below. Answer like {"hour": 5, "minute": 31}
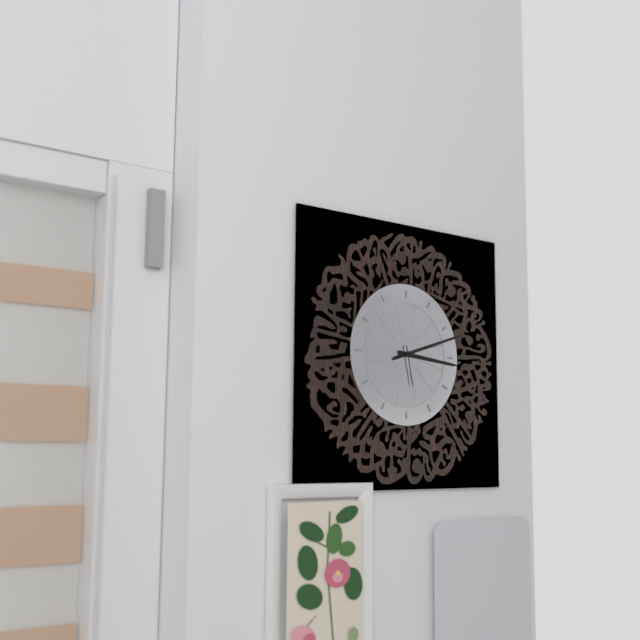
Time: {"hour": 3, "minute": 12}
